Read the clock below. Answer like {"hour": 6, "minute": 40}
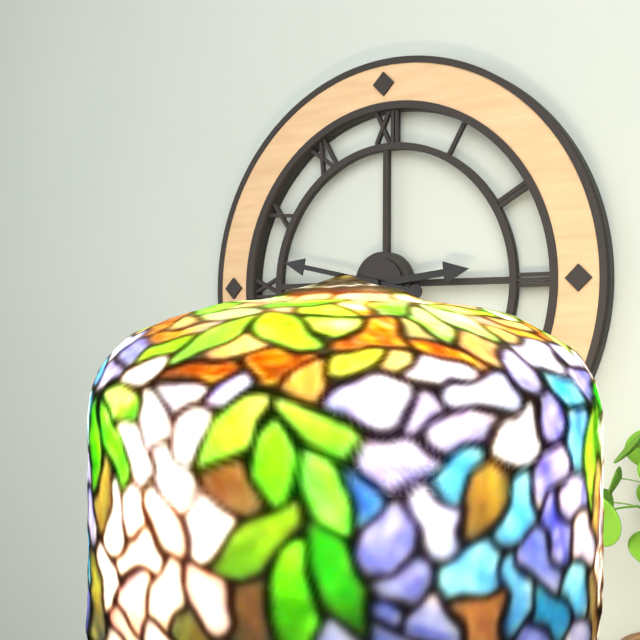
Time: {"hour": 2, "minute": 47}
